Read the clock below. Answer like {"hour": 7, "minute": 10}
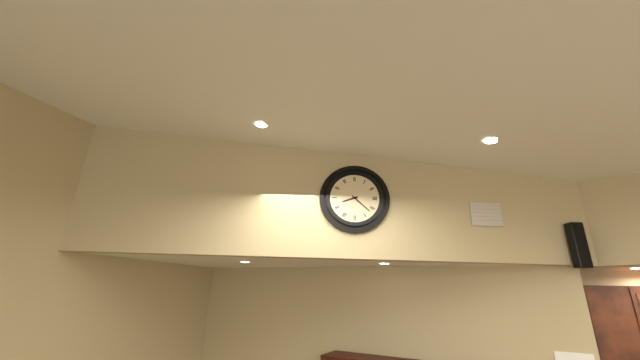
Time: {"hour": 8, "minute": 22}
